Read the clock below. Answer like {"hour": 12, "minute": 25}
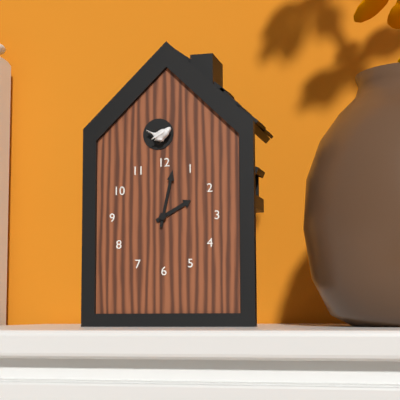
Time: {"hour": 2, "minute": 2}
